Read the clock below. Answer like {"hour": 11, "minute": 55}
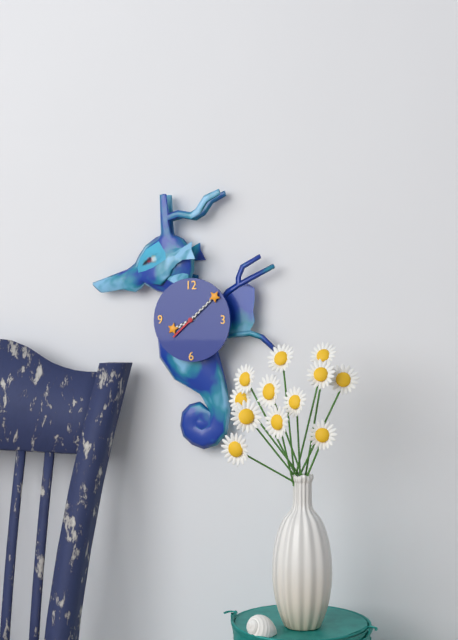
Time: {"hour": 8, "minute": 8}
